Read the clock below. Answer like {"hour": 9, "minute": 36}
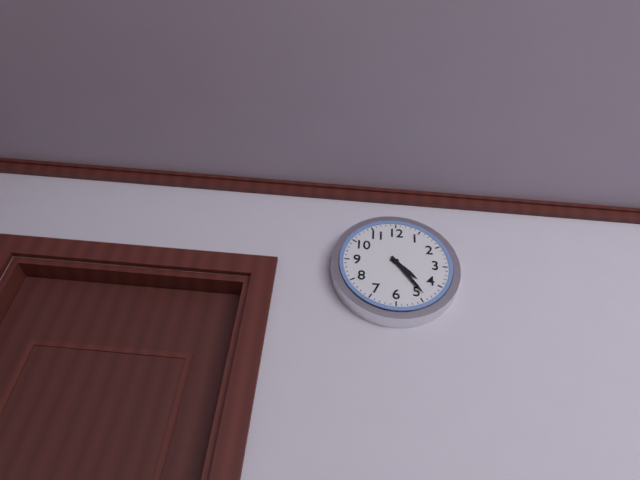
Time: {"hour": 4, "minute": 24}
